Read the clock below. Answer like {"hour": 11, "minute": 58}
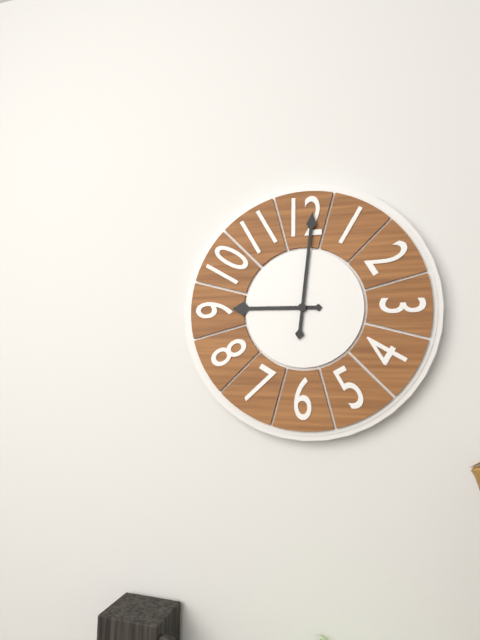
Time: {"hour": 9, "minute": 1}
